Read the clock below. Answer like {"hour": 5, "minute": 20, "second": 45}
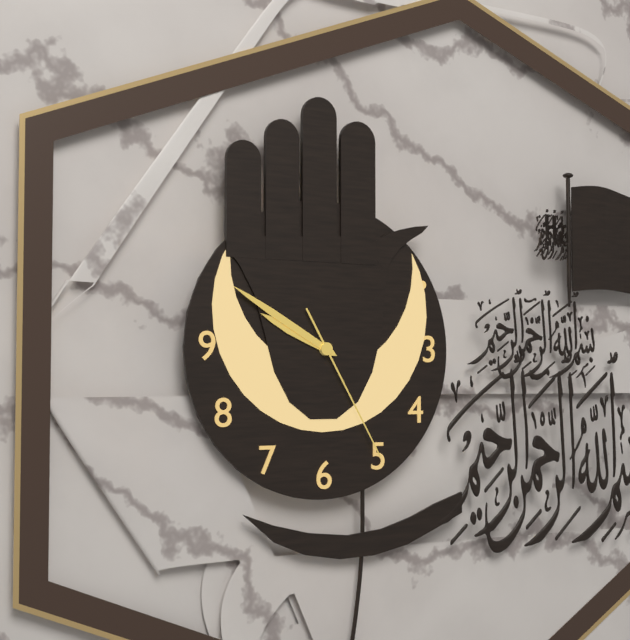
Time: {"hour": 9, "minute": 50, "second": 25}
